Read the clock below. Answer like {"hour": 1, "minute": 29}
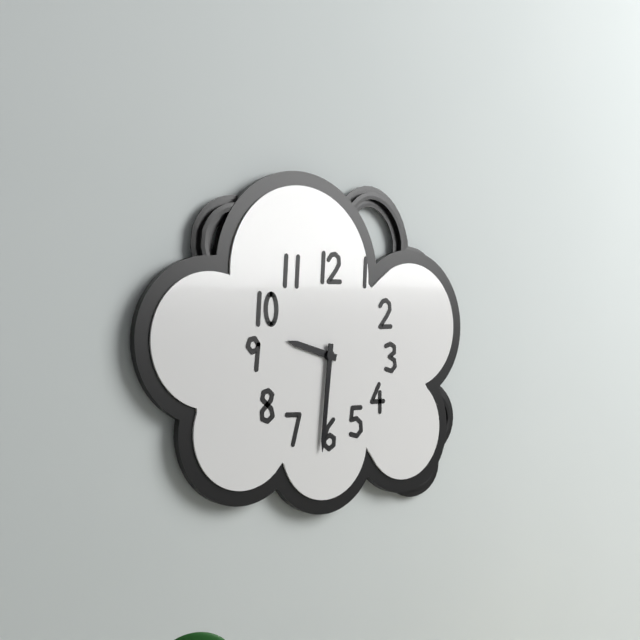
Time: {"hour": 9, "minute": 31}
